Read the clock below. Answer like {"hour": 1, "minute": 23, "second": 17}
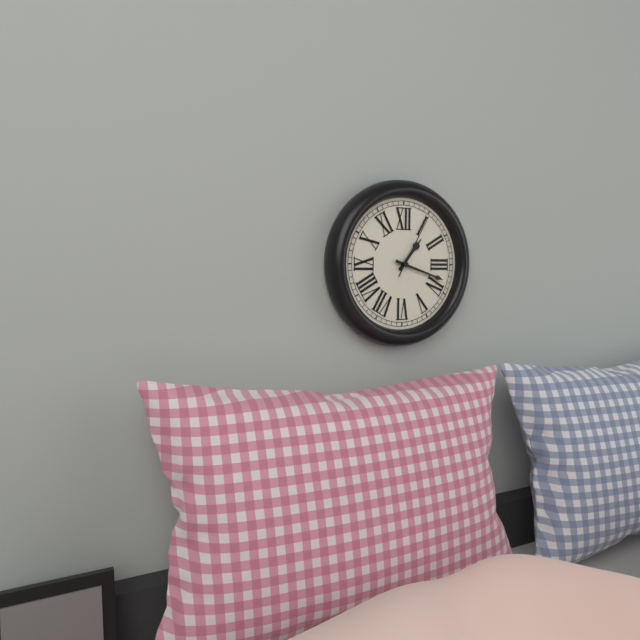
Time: {"hour": 1, "minute": 18, "second": 5}
